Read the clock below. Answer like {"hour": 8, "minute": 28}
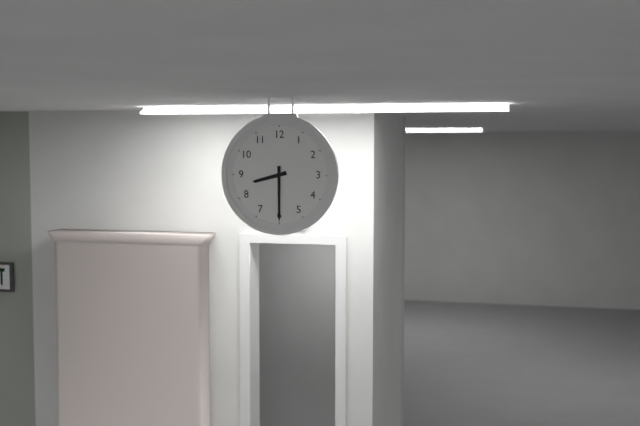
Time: {"hour": 8, "minute": 30}
